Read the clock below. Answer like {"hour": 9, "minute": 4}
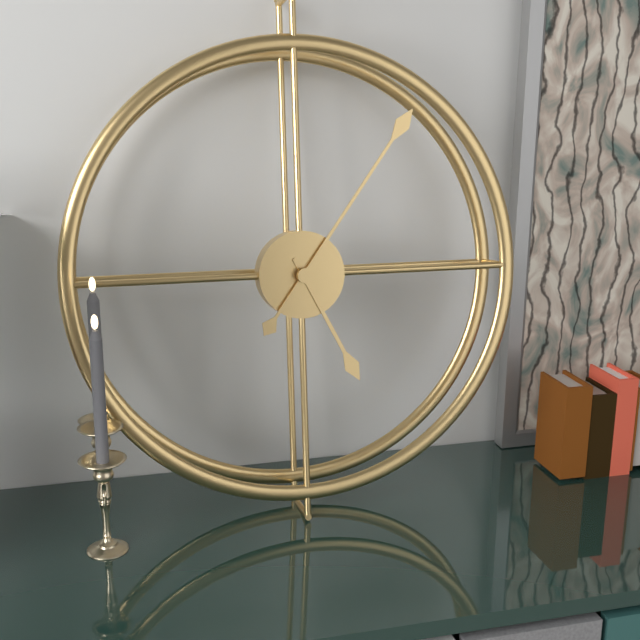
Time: {"hour": 5, "minute": 6}
